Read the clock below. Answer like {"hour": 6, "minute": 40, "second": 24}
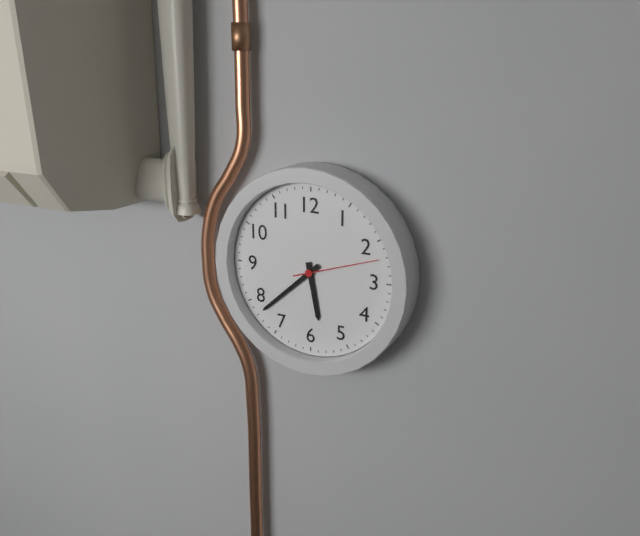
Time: {"hour": 5, "minute": 38, "second": 12}
